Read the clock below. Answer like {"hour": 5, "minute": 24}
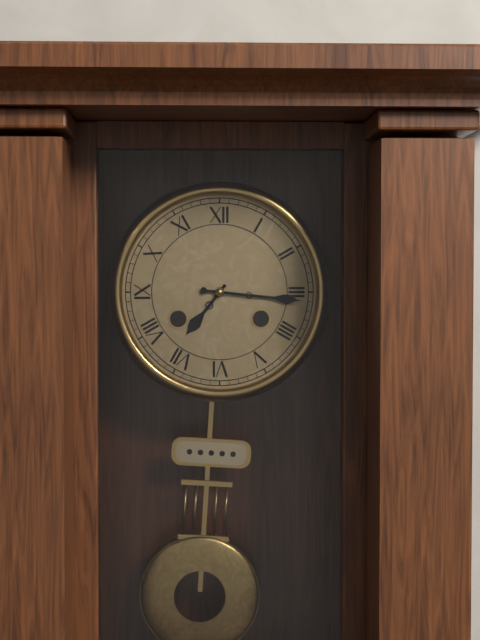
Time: {"hour": 7, "minute": 16}
